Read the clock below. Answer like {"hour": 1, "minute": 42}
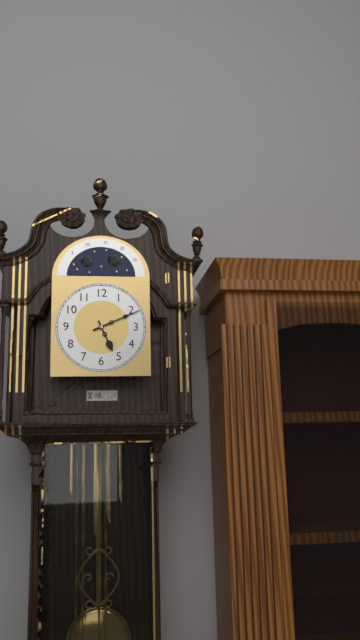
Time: {"hour": 5, "minute": 11}
